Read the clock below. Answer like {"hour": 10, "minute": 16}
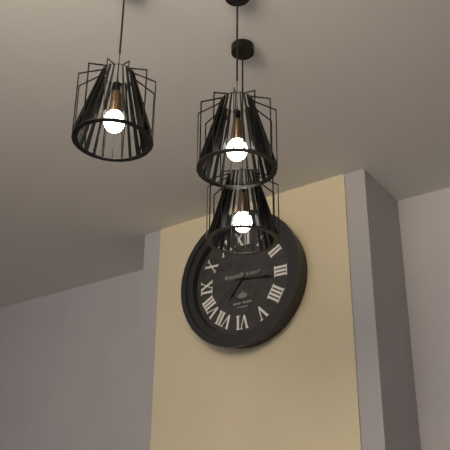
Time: {"hour": 7, "minute": 16}
